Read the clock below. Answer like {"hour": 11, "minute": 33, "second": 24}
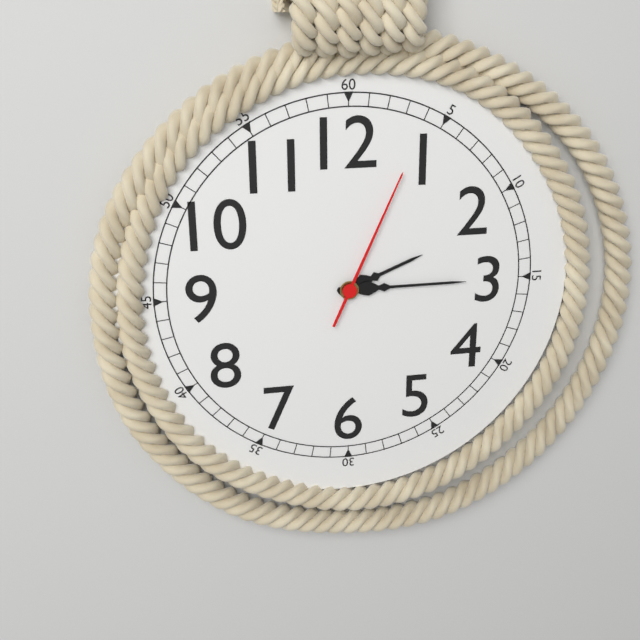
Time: {"hour": 2, "minute": 15, "second": 4}
